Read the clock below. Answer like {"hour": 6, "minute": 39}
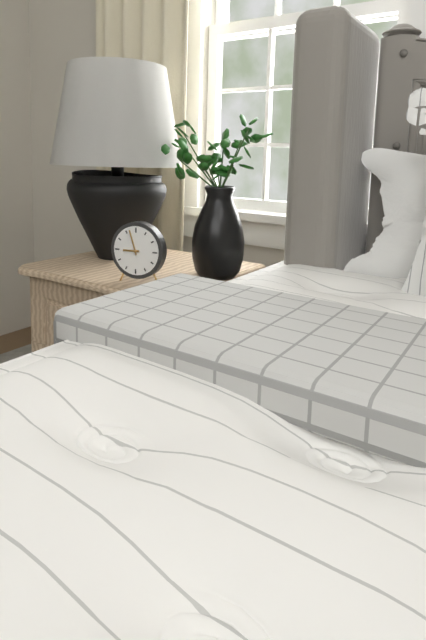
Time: {"hour": 8, "minute": 57}
